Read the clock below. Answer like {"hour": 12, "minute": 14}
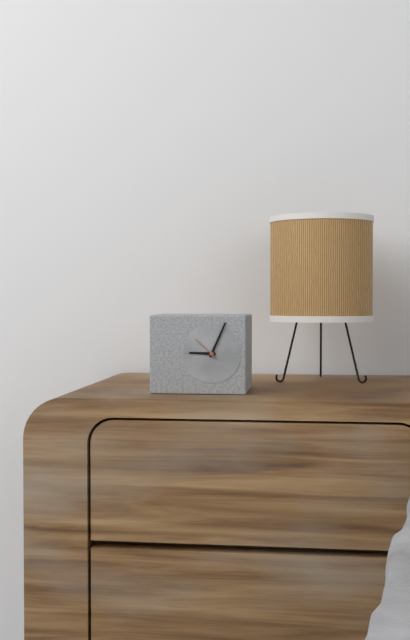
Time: {"hour": 9, "minute": 4}
